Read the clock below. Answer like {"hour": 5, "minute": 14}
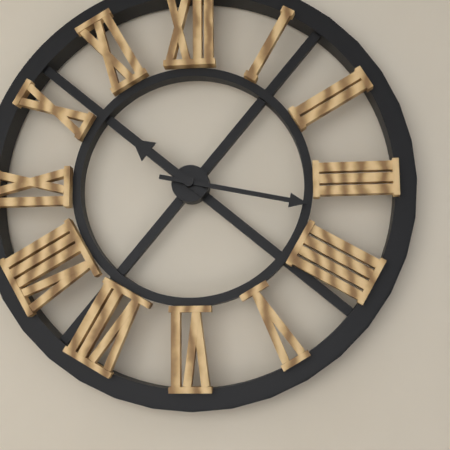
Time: {"hour": 10, "minute": 17}
